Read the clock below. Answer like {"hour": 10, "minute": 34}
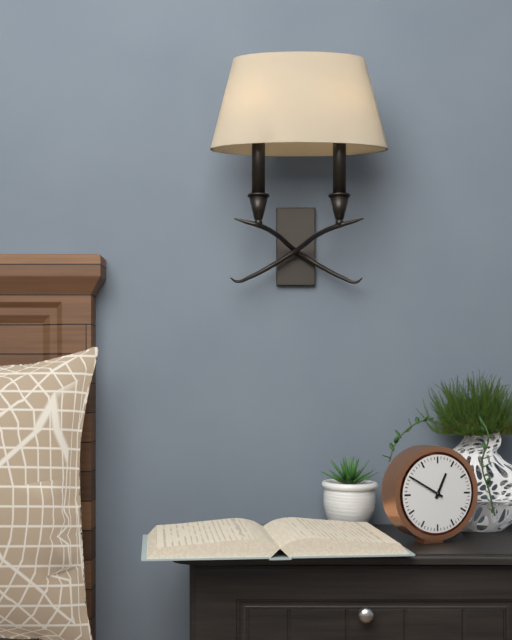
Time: {"hour": 12, "minute": 50}
